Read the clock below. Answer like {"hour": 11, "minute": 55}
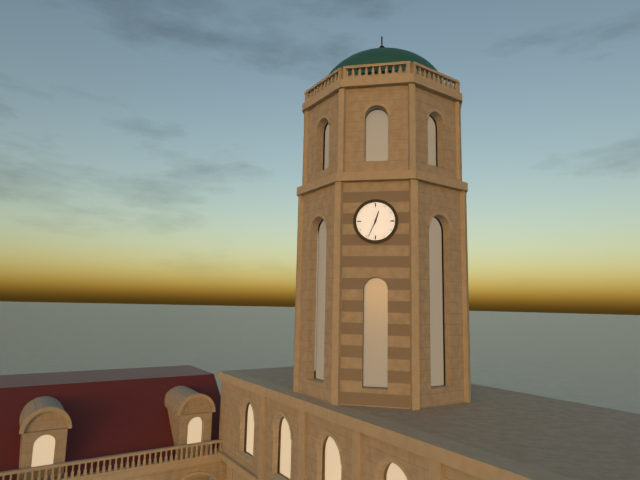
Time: {"hour": 12, "minute": 34}
